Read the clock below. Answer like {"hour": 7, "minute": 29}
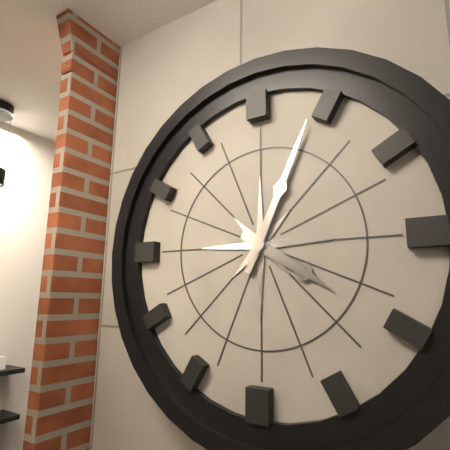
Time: {"hour": 4, "minute": 4}
